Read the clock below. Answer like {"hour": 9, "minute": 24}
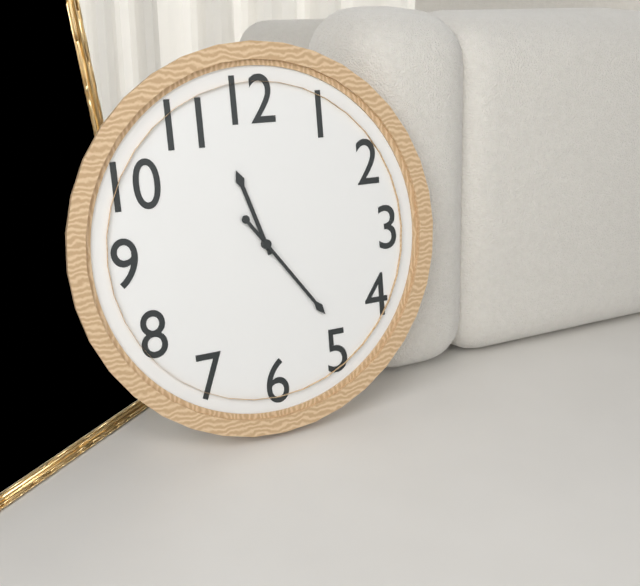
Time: {"hour": 11, "minute": 24}
